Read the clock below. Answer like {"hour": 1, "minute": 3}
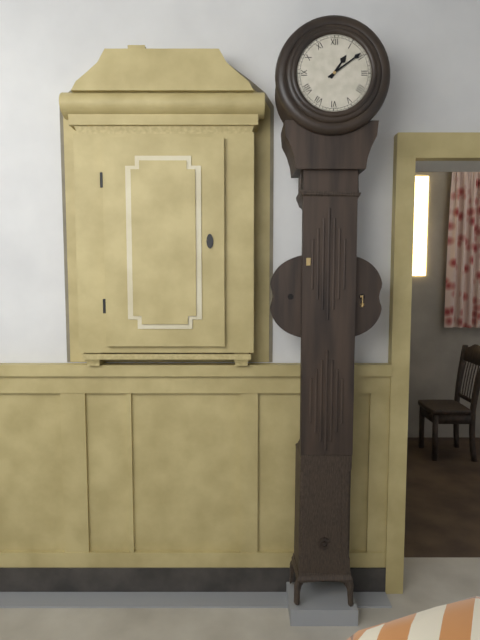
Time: {"hour": 1, "minute": 9}
